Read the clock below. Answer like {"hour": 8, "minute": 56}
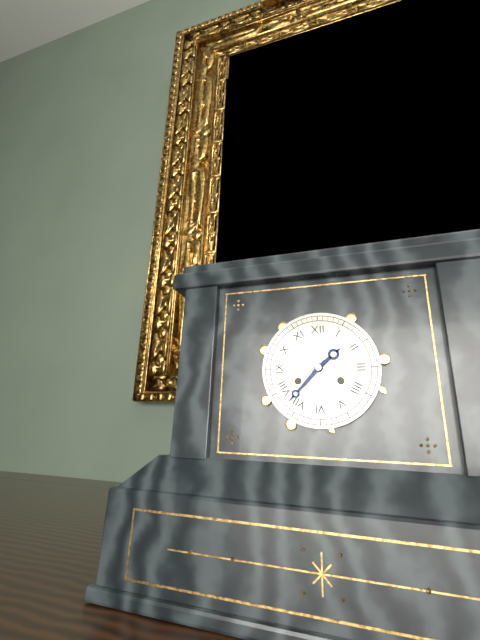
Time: {"hour": 1, "minute": 37}
